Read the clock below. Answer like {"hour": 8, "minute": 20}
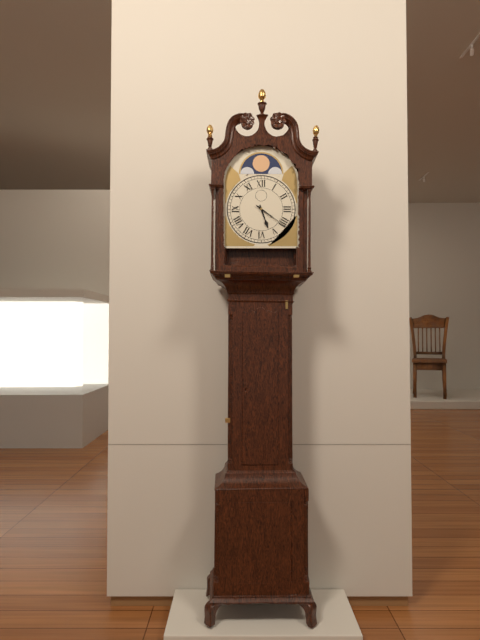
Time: {"hour": 5, "minute": 21}
